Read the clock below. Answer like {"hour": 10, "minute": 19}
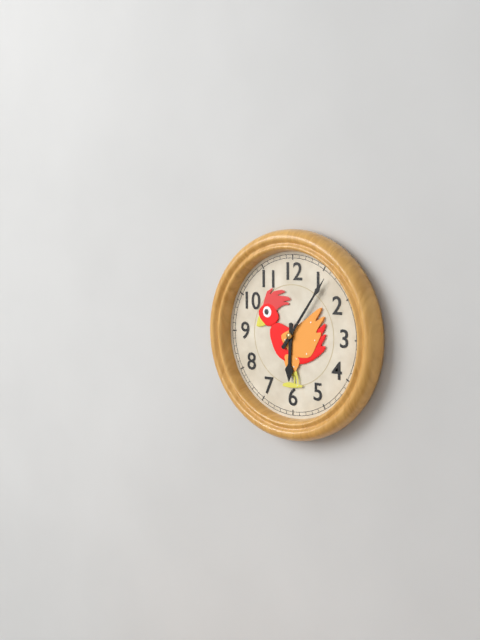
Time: {"hour": 6, "minute": 6}
